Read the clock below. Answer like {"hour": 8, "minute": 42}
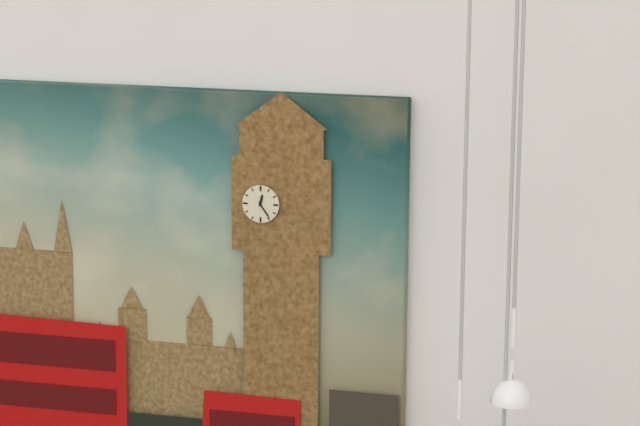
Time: {"hour": 12, "minute": 24}
